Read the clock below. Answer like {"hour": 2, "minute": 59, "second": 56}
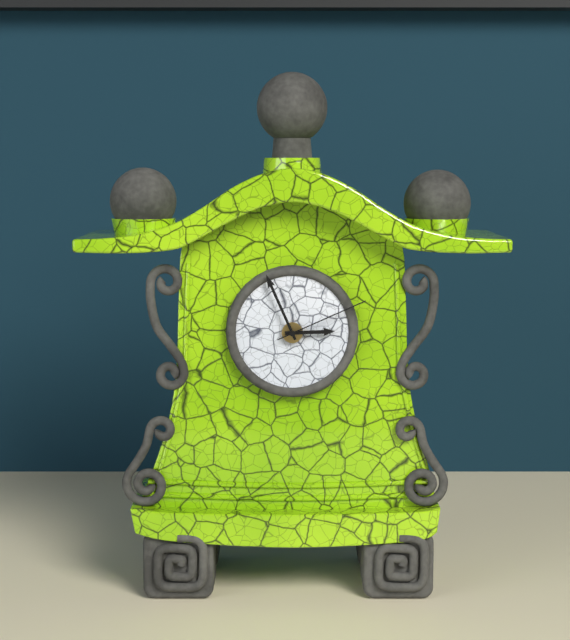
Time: {"hour": 2, "minute": 56, "second": 11}
